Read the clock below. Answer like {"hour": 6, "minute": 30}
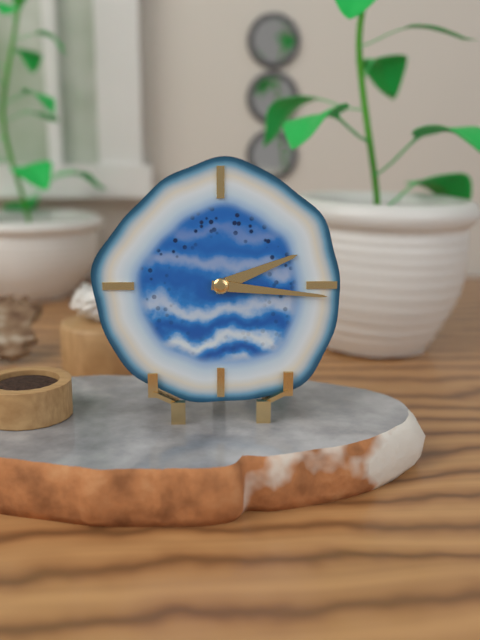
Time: {"hour": 2, "minute": 16}
